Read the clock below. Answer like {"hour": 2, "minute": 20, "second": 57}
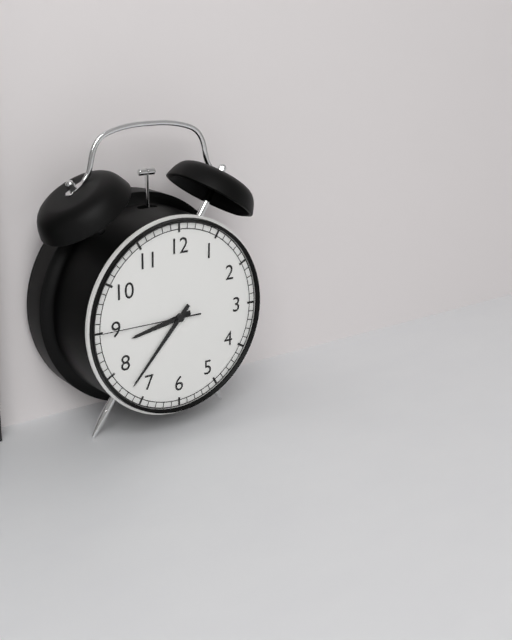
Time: {"hour": 8, "minute": 37, "second": 45}
